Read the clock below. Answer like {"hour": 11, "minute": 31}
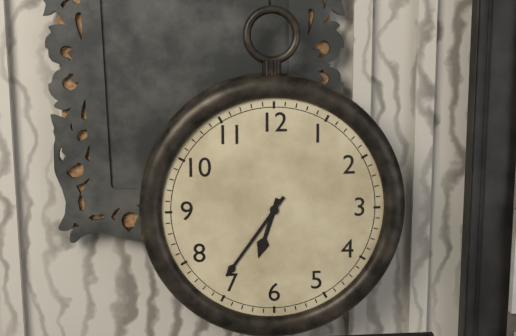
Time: {"hour": 6, "minute": 36}
